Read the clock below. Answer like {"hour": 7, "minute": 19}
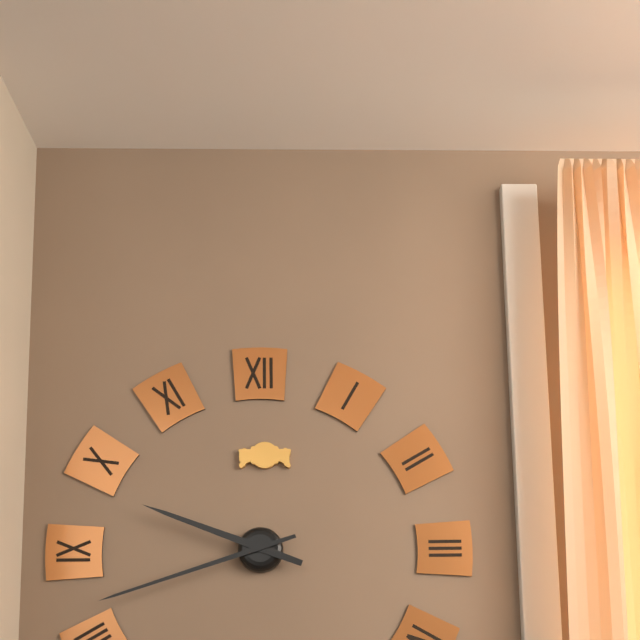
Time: {"hour": 9, "minute": 42}
